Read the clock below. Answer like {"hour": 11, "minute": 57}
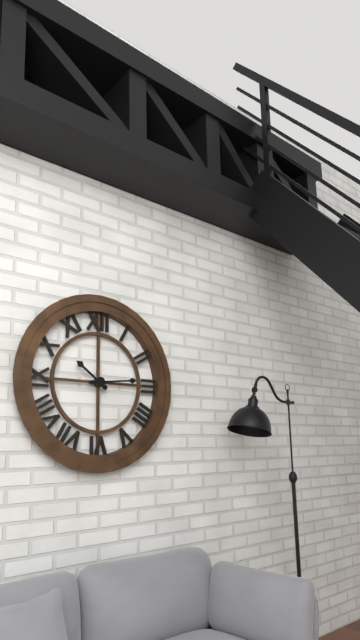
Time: {"hour": 10, "minute": 14}
